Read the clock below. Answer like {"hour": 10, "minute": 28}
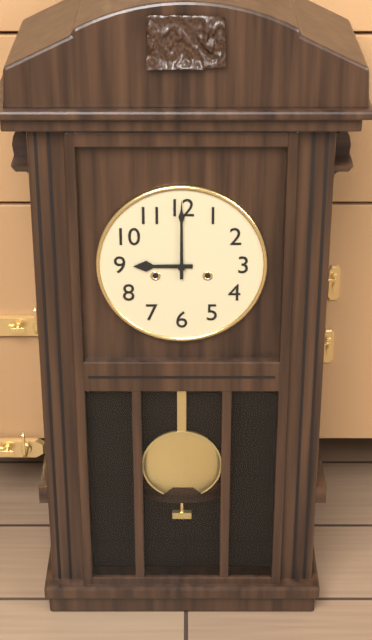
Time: {"hour": 9, "minute": 0}
